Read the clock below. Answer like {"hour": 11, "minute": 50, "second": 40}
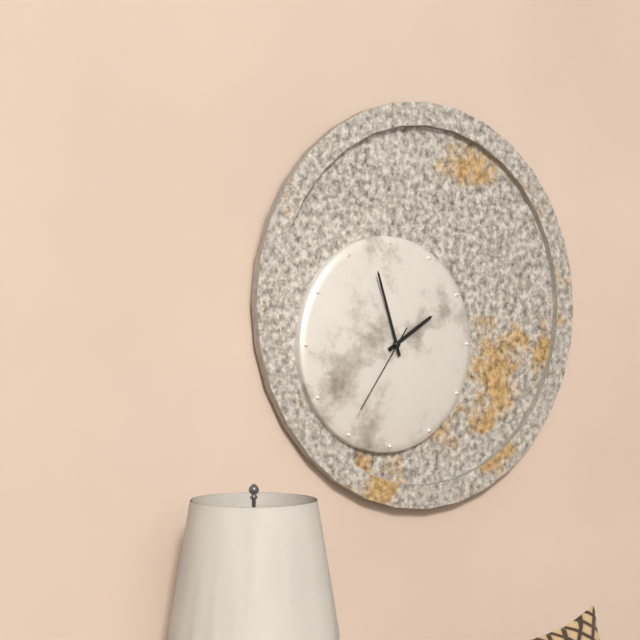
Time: {"hour": 1, "minute": 57, "second": 36}
